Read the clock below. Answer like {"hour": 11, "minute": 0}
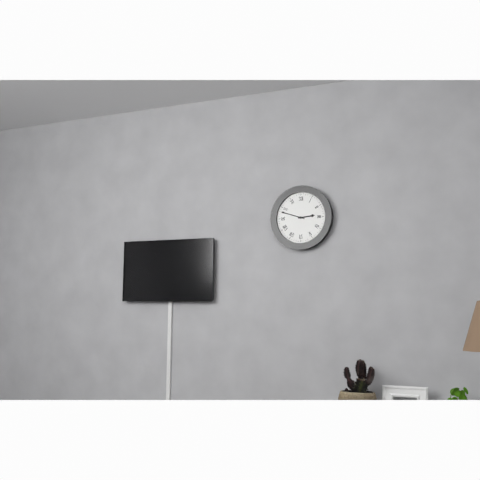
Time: {"hour": 2, "minute": 48}
